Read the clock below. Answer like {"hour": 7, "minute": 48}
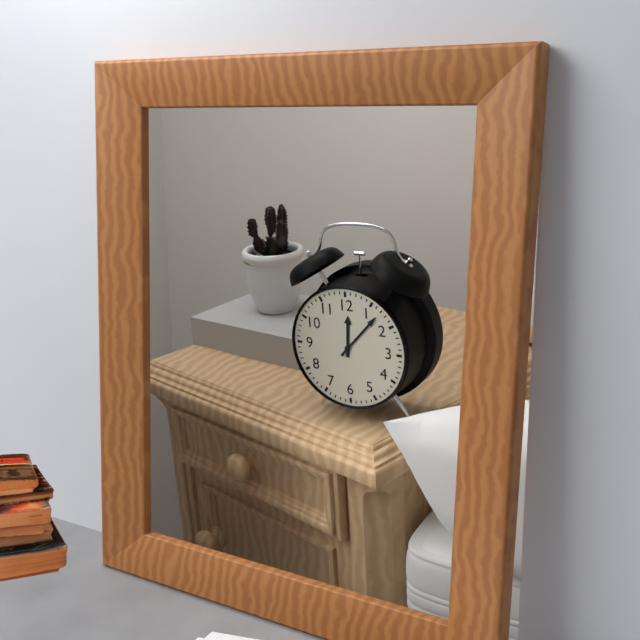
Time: {"hour": 12, "minute": 7}
